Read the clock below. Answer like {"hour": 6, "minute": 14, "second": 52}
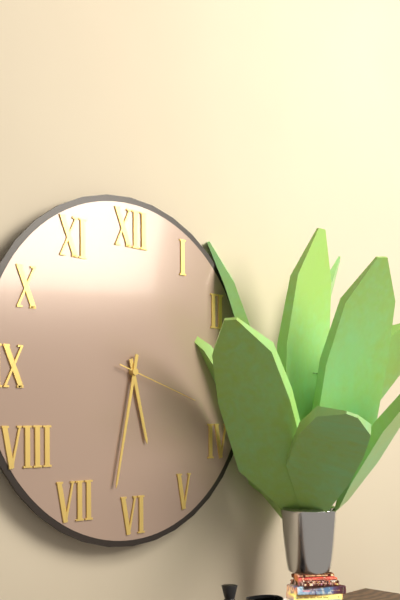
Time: {"hour": 5, "minute": 32, "second": 18}
